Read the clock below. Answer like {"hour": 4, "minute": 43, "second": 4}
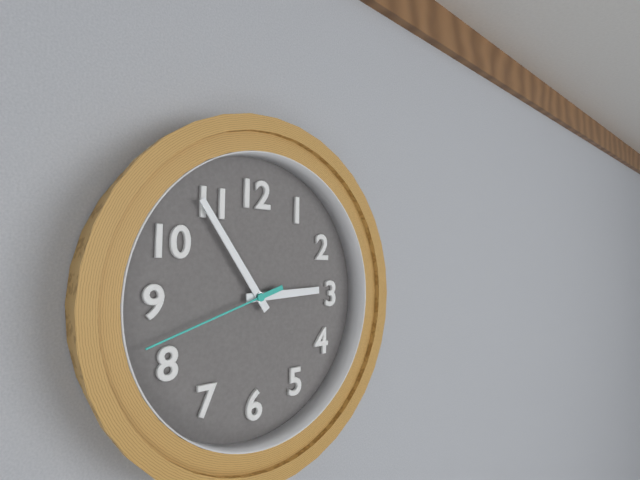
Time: {"hour": 2, "minute": 54, "second": 42}
